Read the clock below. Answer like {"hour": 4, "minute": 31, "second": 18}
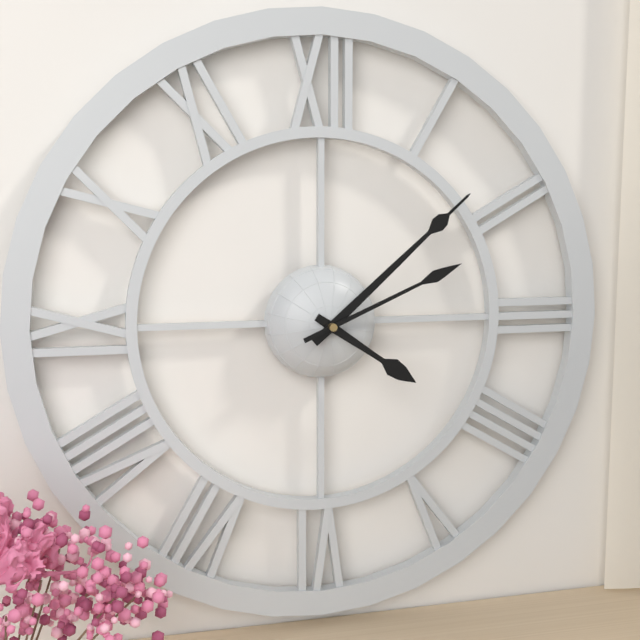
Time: {"hour": 4, "minute": 8, "second": 11}
